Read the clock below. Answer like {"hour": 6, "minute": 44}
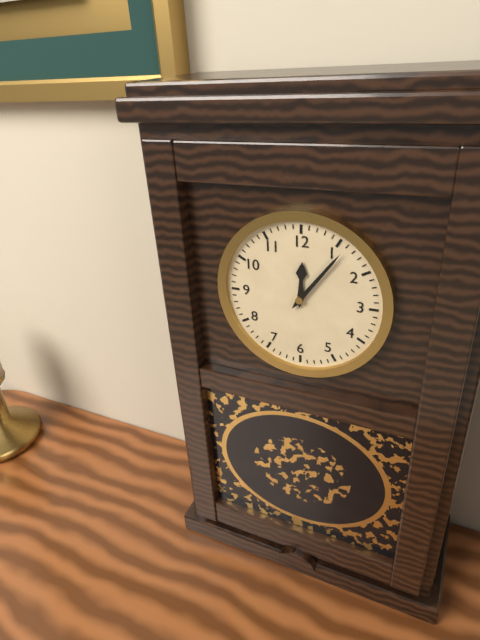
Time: {"hour": 12, "minute": 6}
